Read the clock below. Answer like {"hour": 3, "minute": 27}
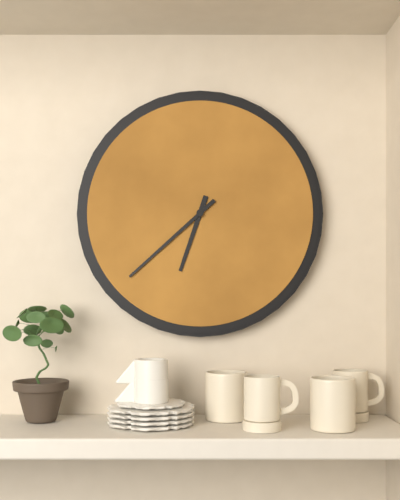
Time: {"hour": 6, "minute": 38}
